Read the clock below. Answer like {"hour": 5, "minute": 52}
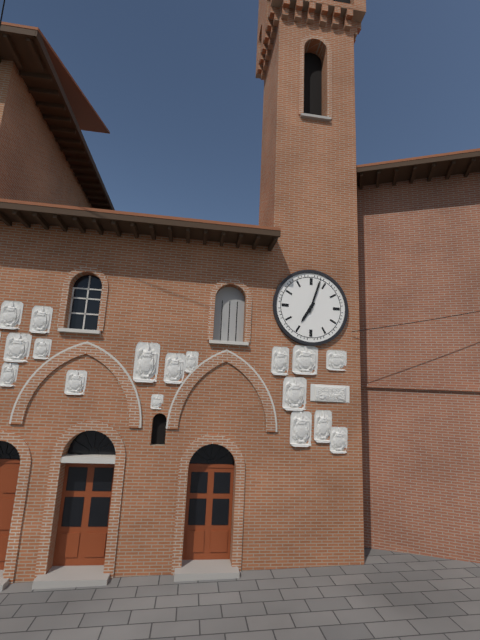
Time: {"hour": 7, "minute": 3}
